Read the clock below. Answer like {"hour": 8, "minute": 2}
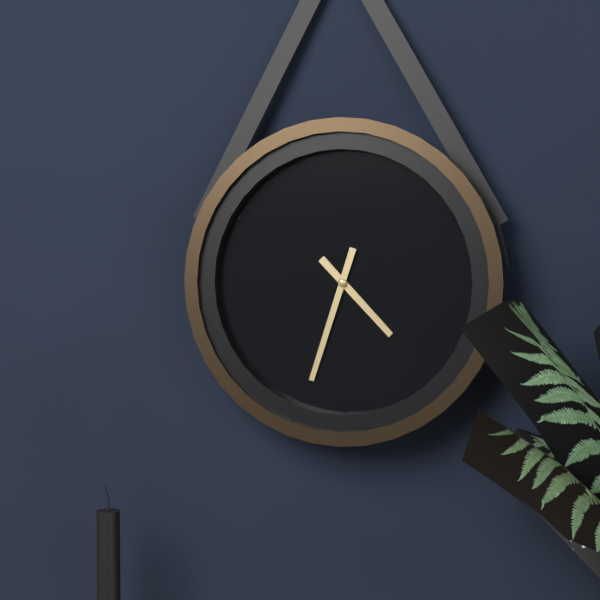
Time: {"hour": 4, "minute": 33}
